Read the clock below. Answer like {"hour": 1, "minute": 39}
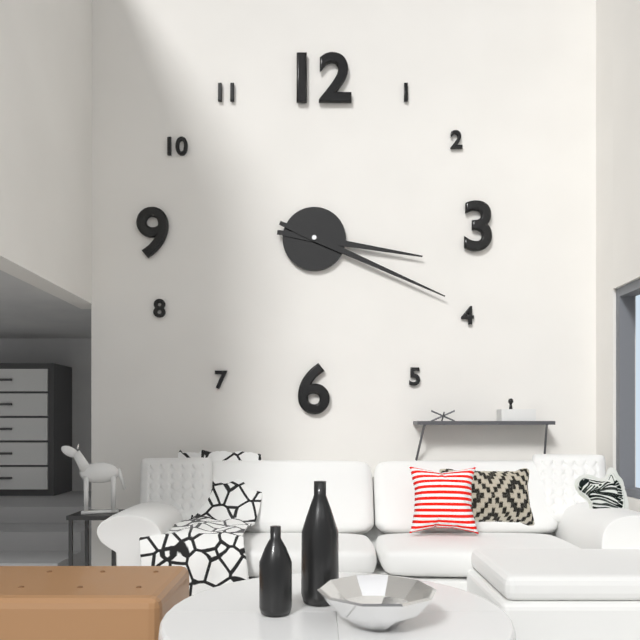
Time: {"hour": 3, "minute": 19}
